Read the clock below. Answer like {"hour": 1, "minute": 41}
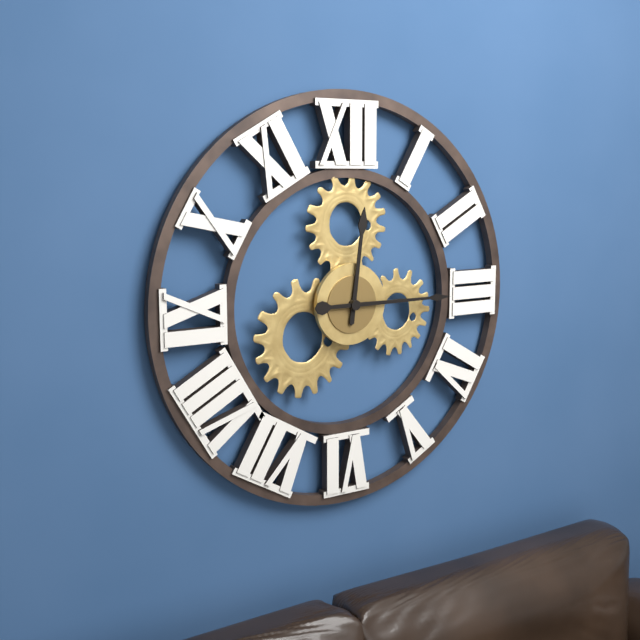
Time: {"hour": 12, "minute": 15}
